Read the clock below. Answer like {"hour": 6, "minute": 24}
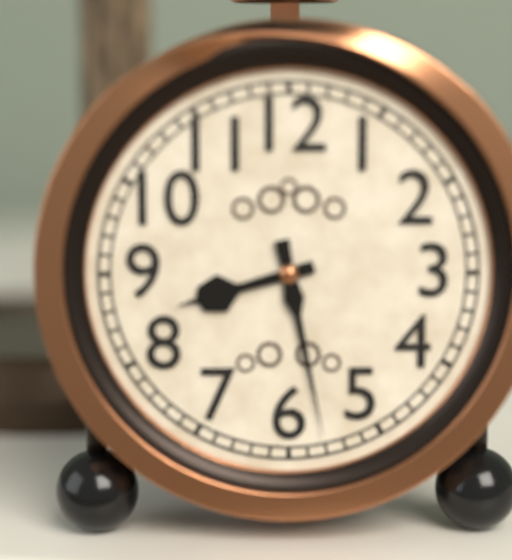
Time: {"hour": 8, "minute": 28}
